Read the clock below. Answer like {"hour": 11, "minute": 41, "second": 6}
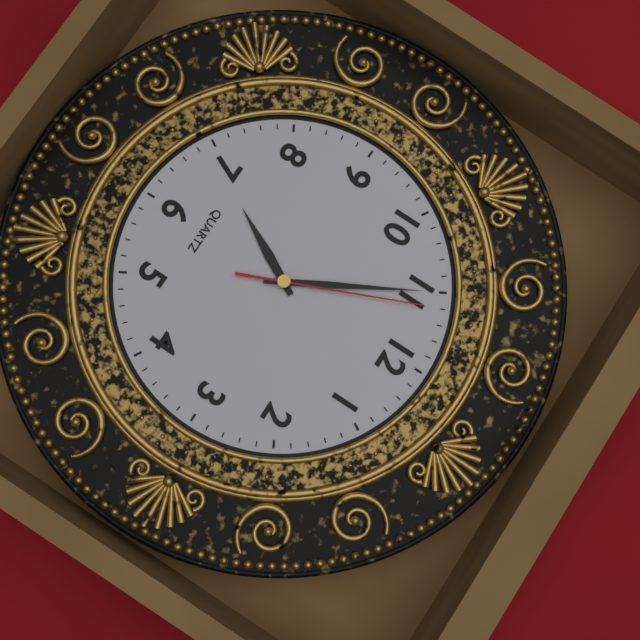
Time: {"hour": 6, "minute": 55, "second": 56}
